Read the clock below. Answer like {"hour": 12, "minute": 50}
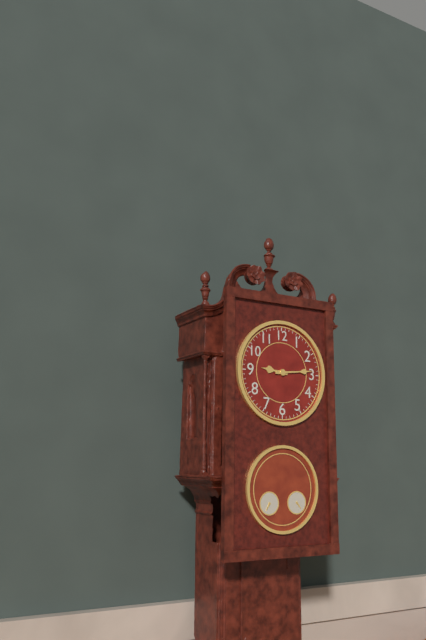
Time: {"hour": 9, "minute": 14}
